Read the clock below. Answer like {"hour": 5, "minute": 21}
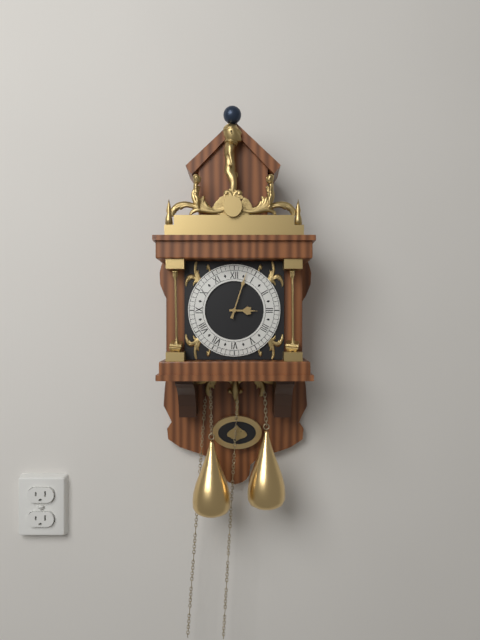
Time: {"hour": 3, "minute": 3}
